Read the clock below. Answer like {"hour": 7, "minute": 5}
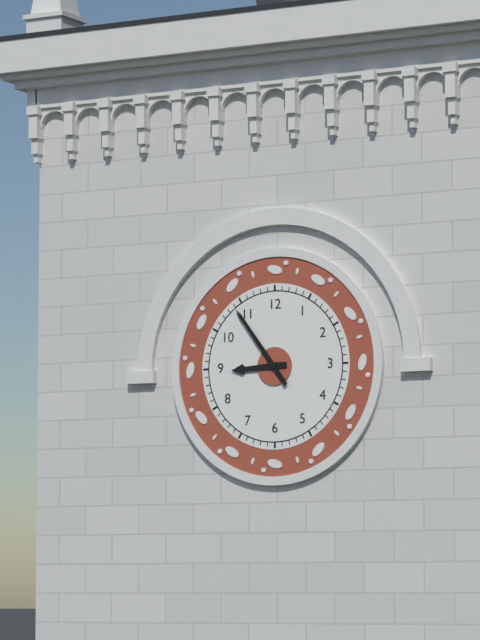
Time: {"hour": 8, "minute": 54}
